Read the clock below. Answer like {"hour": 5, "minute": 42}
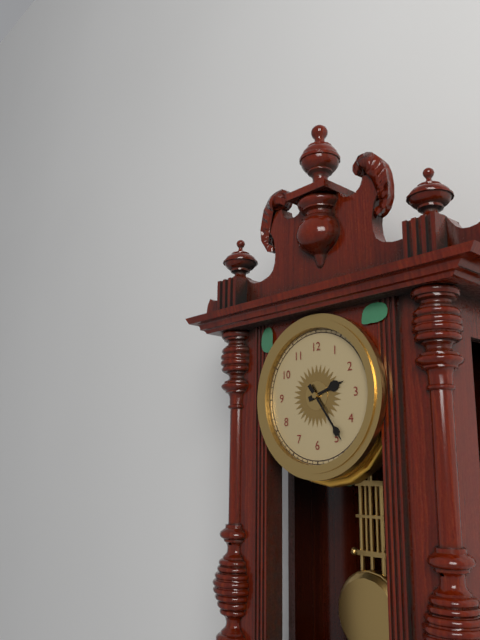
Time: {"hour": 2, "minute": 24}
